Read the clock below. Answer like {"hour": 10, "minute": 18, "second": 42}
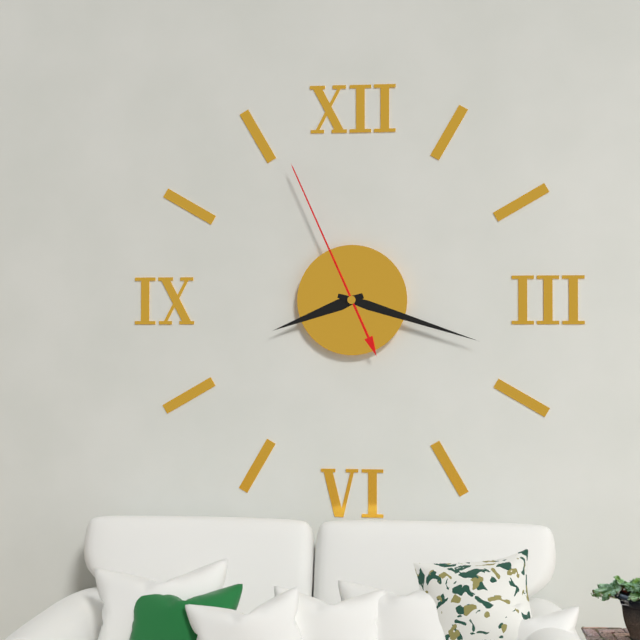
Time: {"hour": 8, "minute": 18, "second": 56}
